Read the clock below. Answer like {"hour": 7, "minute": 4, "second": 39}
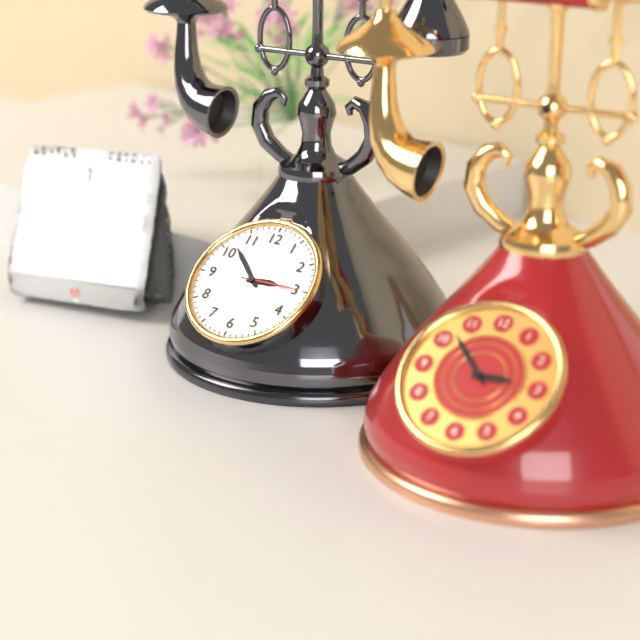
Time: {"hour": 2, "minute": 52, "second": 15}
